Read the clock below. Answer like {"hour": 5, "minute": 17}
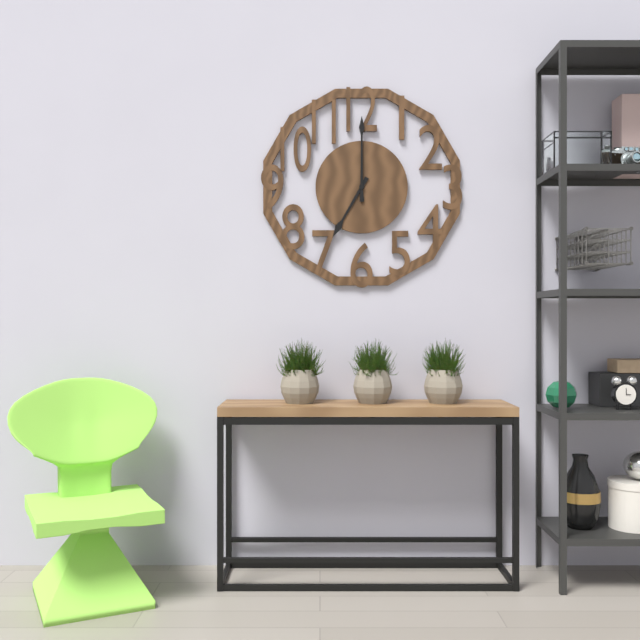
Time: {"hour": 7, "minute": 0}
